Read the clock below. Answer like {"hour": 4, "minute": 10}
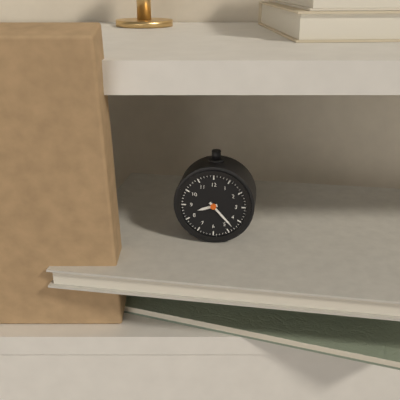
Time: {"hour": 8, "minute": 23}
